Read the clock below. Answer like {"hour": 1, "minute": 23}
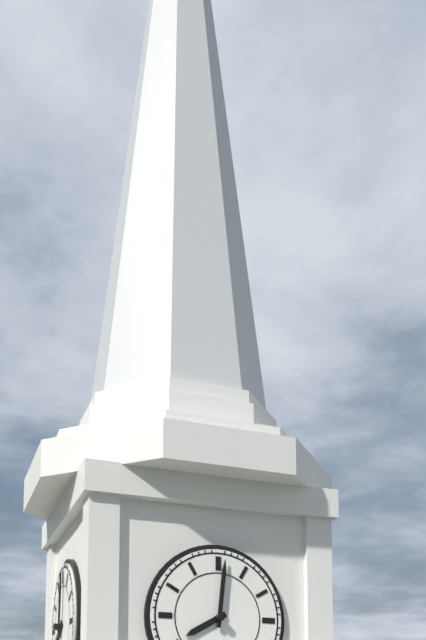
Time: {"hour": 8, "minute": 1}
